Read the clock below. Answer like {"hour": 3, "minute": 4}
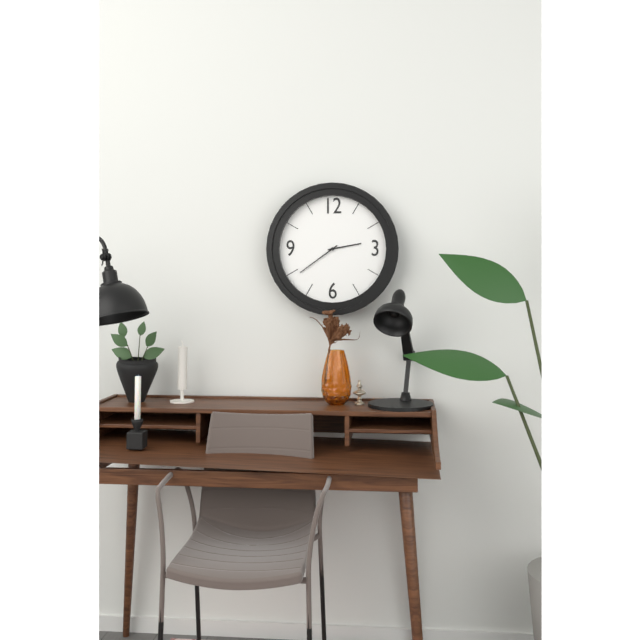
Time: {"hour": 2, "minute": 39}
